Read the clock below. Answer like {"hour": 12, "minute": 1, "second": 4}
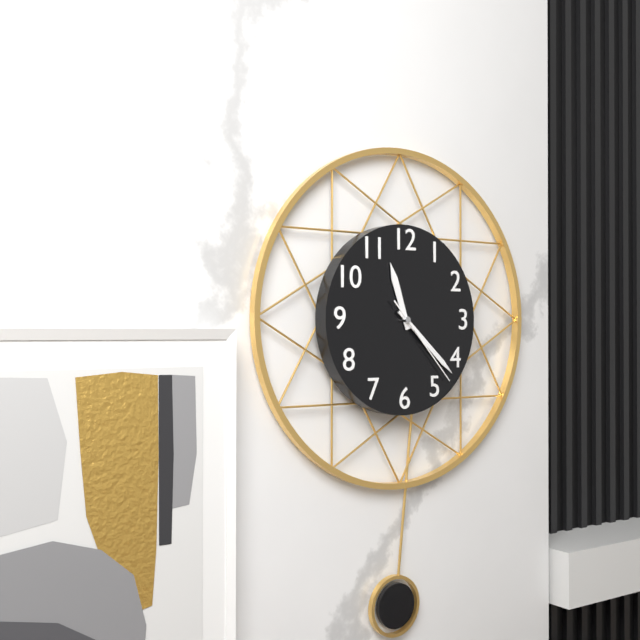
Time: {"hour": 11, "minute": 22, "second": 23}
